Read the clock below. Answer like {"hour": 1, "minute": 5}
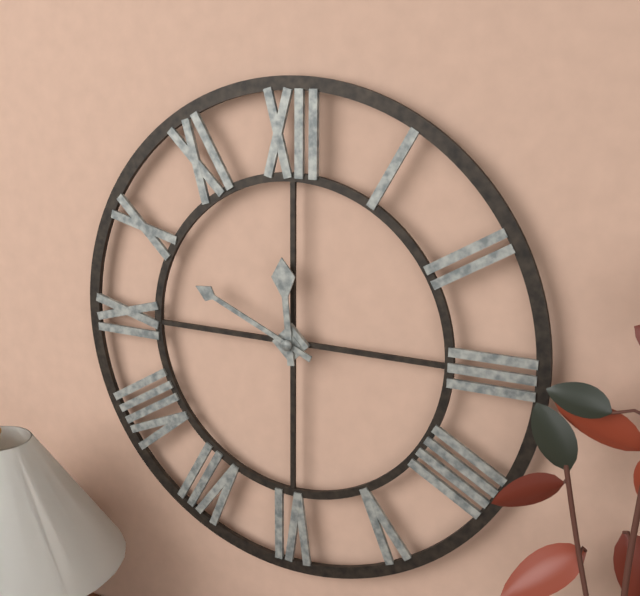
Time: {"hour": 11, "minute": 49}
